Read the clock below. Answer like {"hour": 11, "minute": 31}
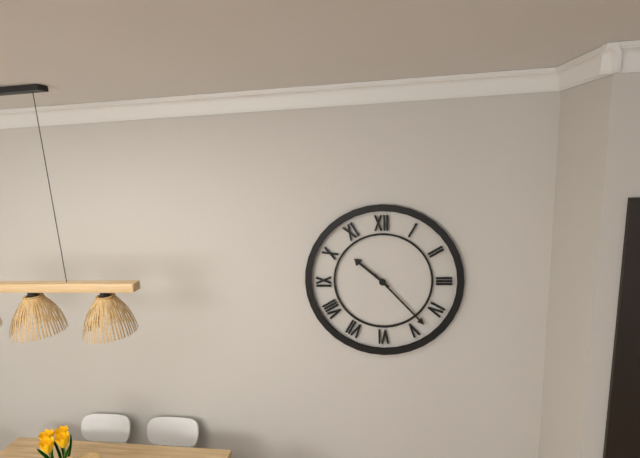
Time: {"hour": 10, "minute": 23}
